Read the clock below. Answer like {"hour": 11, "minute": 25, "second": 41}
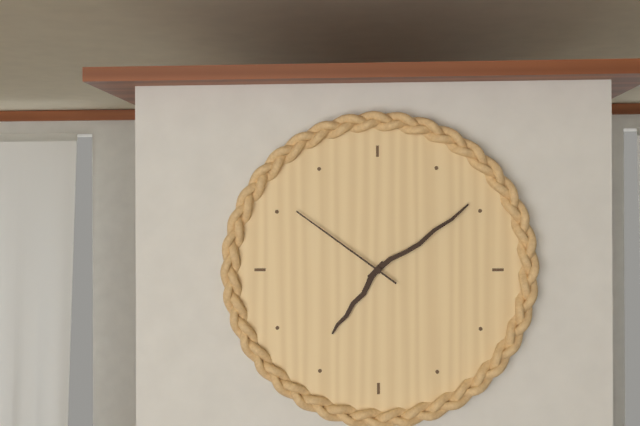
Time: {"hour": 7, "minute": 9, "second": 51}
